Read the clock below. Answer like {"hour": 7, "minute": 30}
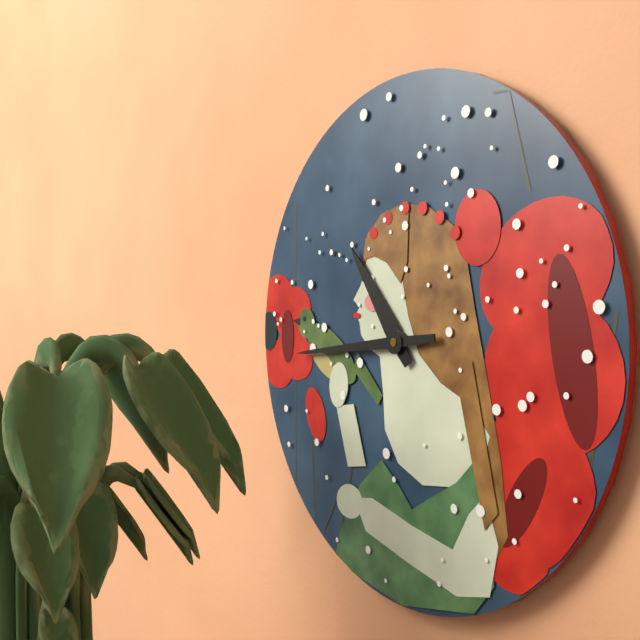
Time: {"hour": 10, "minute": 44}
